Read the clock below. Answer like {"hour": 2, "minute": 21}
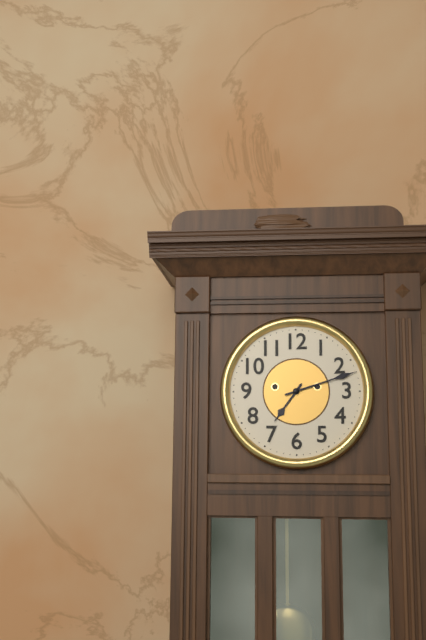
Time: {"hour": 7, "minute": 12}
